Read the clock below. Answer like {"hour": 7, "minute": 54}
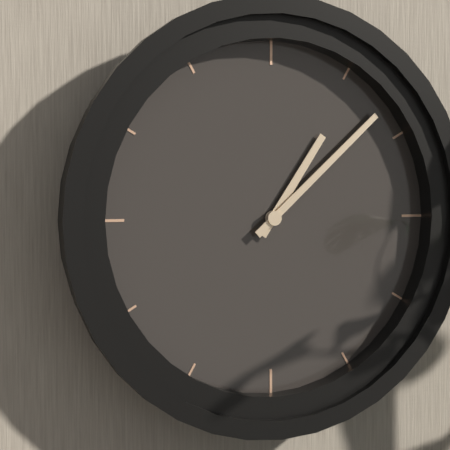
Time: {"hour": 1, "minute": 8}
